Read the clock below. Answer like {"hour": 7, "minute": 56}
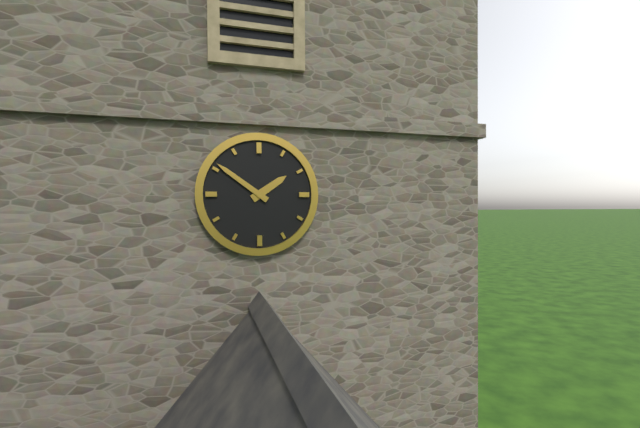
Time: {"hour": 1, "minute": 51}
